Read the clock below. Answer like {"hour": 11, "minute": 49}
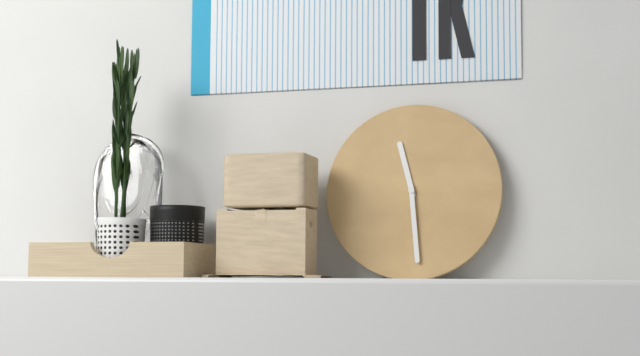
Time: {"hour": 11, "minute": 29}
